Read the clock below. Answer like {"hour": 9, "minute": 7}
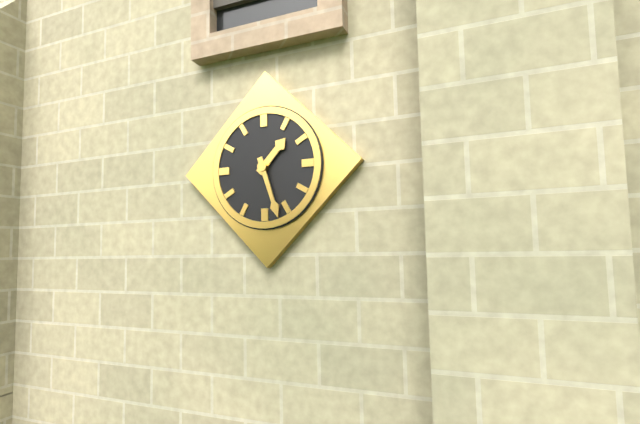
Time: {"hour": 1, "minute": 27}
